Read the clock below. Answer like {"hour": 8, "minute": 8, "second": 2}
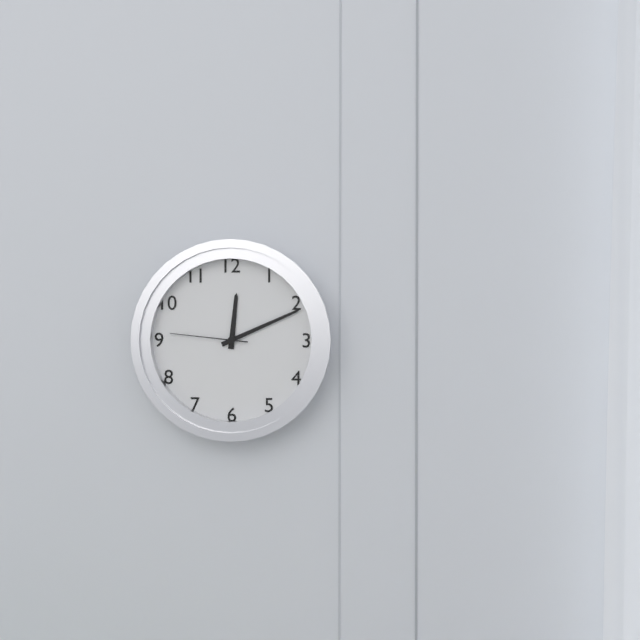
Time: {"hour": 12, "minute": 11, "second": 46}
